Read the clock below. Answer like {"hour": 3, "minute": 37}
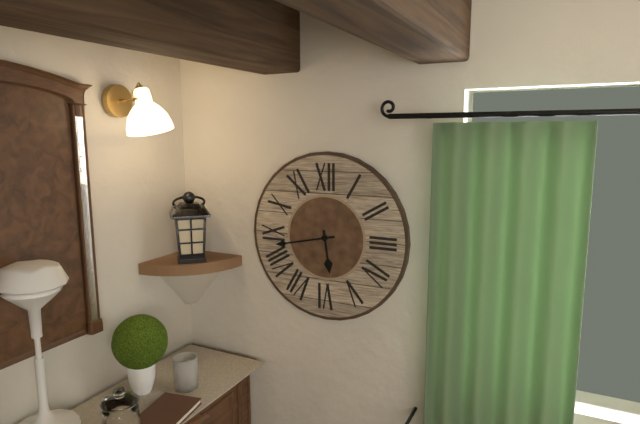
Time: {"hour": 5, "minute": 43}
